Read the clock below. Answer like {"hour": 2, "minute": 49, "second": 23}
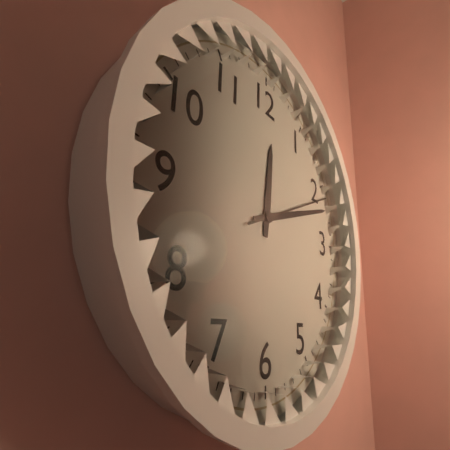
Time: {"hour": 12, "minute": 12, "second": 11}
